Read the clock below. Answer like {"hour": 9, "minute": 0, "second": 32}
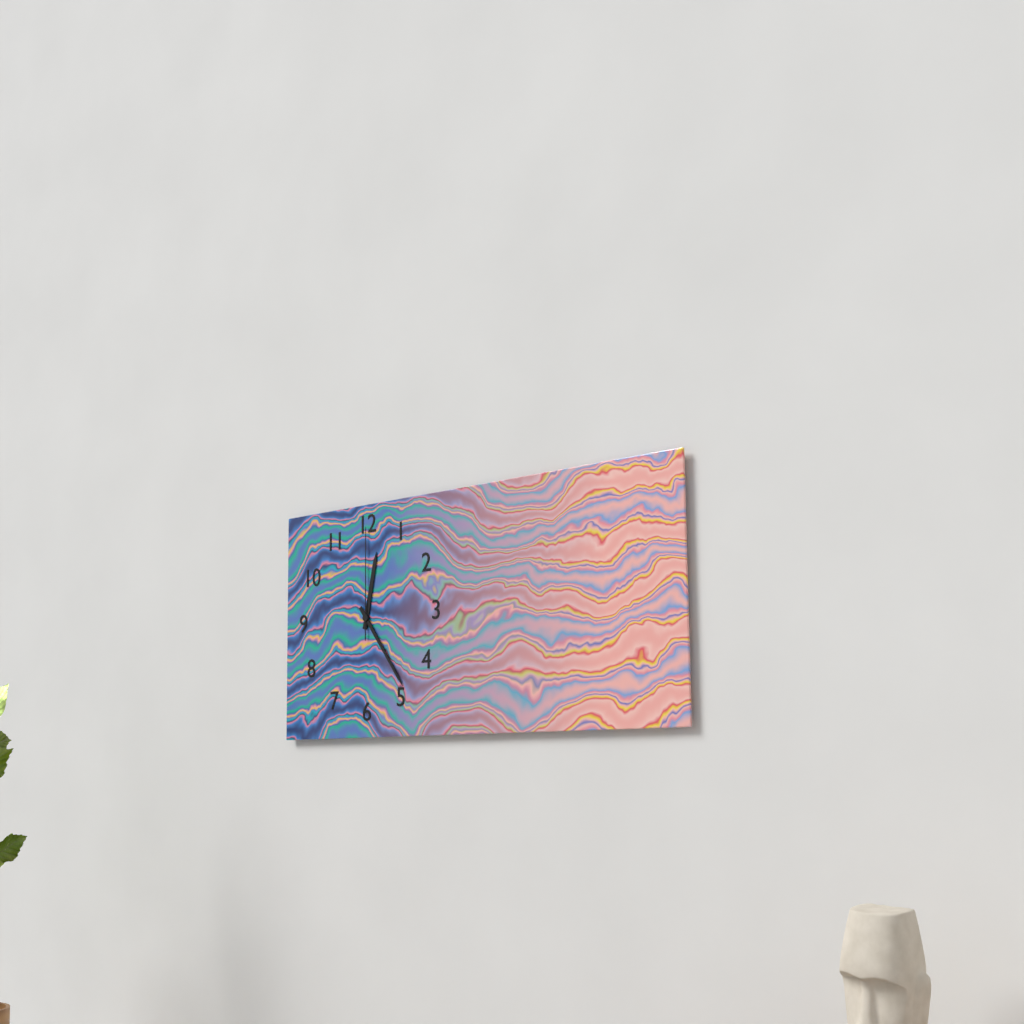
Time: {"hour": 12, "minute": 24, "second": 0}
